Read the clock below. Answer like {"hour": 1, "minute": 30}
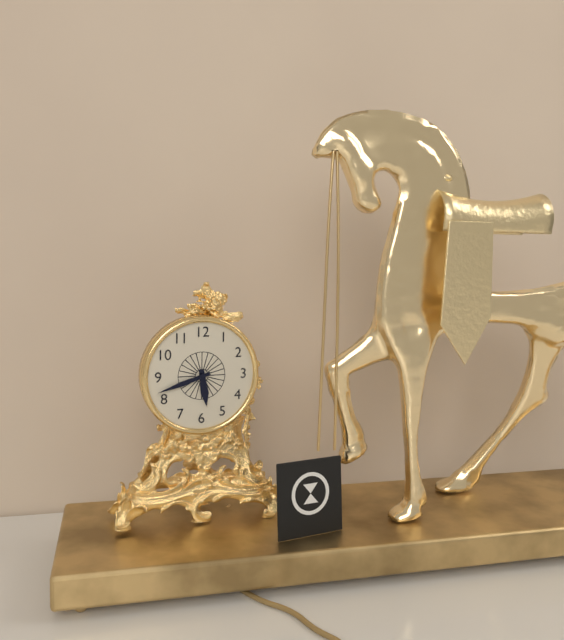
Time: {"hour": 5, "minute": 42}
